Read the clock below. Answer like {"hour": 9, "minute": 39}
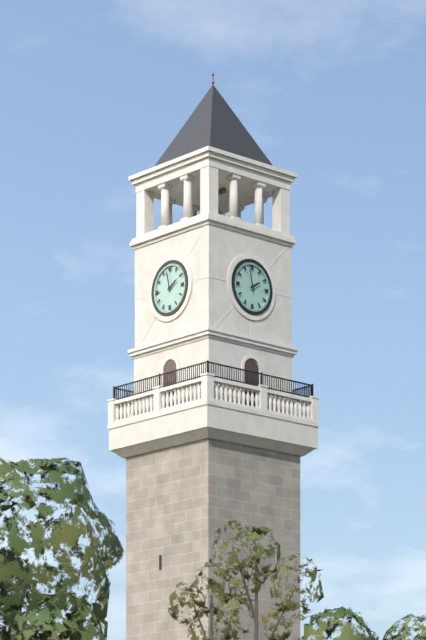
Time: {"hour": 1, "minute": 58}
